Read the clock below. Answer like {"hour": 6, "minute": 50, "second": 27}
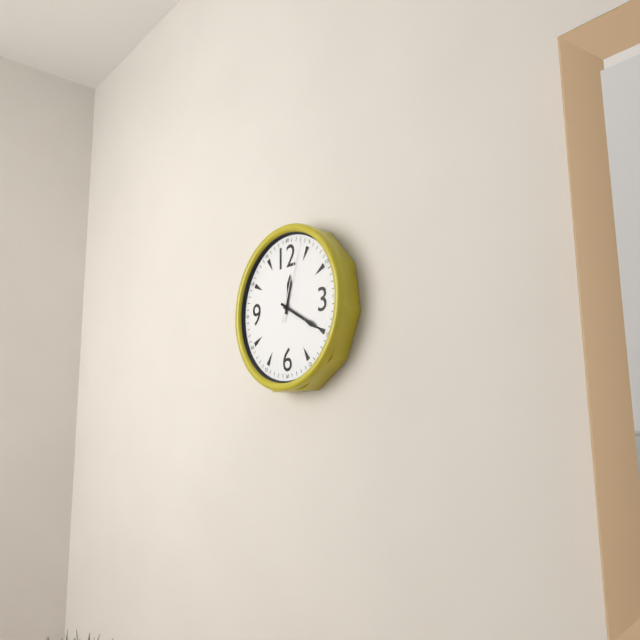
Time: {"hour": 12, "minute": 20, "second": 3}
